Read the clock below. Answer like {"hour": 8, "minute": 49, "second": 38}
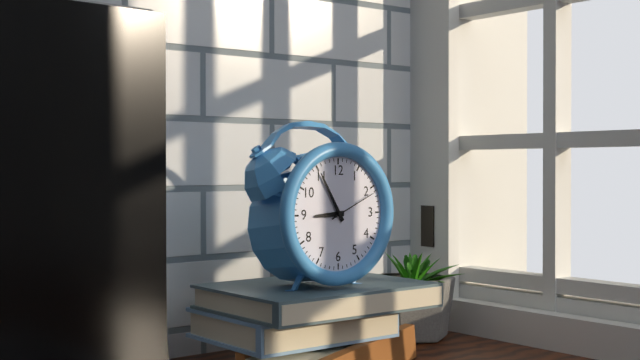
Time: {"hour": 8, "minute": 55, "second": 11}
